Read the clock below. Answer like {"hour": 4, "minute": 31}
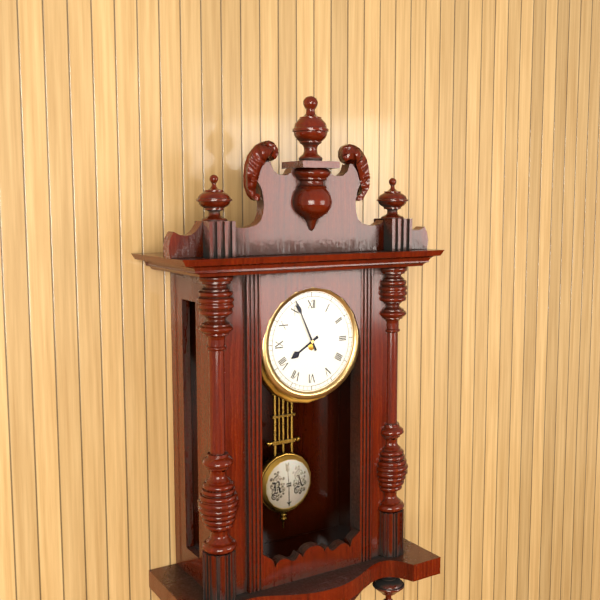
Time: {"hour": 7, "minute": 56}
